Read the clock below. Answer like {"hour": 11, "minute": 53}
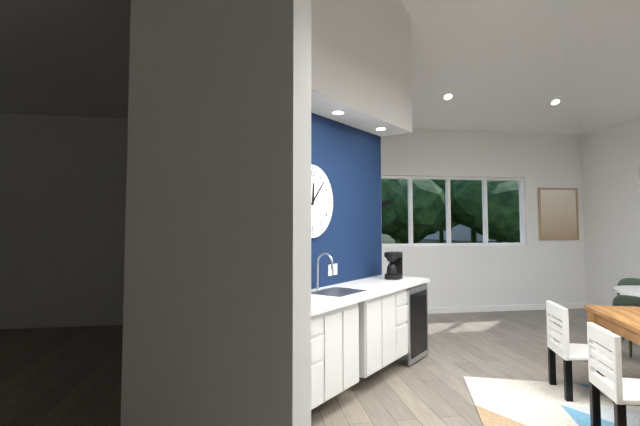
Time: {"hour": 12, "minute": 7}
